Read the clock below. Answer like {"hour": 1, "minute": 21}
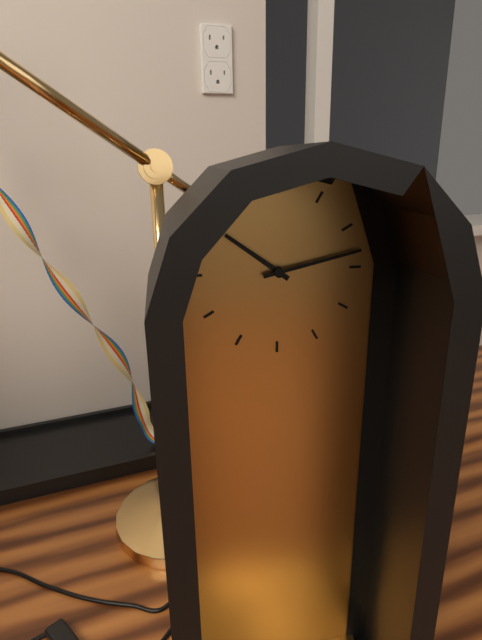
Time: {"hour": 10, "minute": 13}
